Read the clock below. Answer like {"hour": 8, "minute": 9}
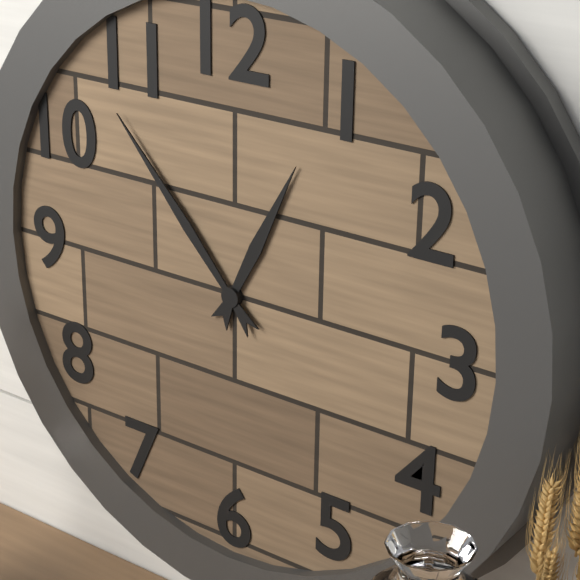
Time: {"hour": 12, "minute": 53}
